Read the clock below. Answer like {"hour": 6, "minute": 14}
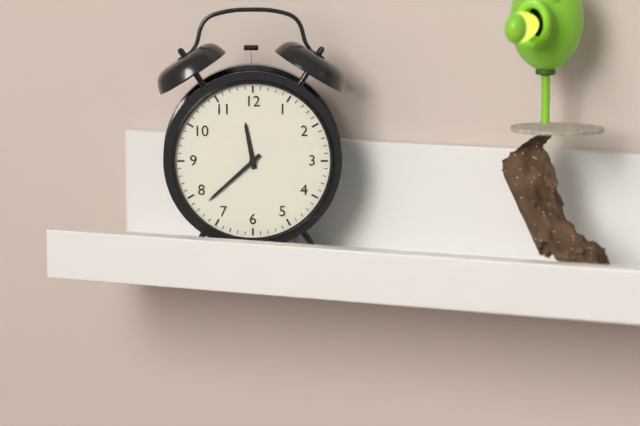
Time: {"hour": 11, "minute": 38}
